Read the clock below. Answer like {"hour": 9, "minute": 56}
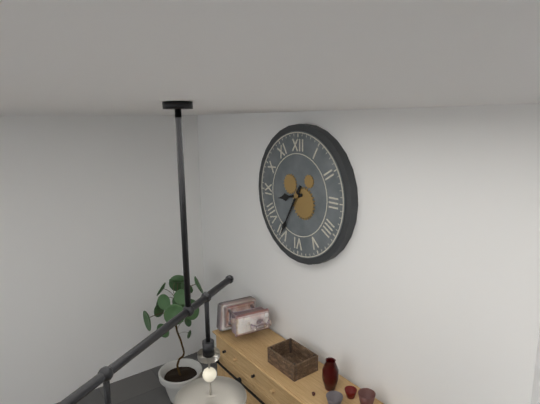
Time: {"hour": 8, "minute": 35}
